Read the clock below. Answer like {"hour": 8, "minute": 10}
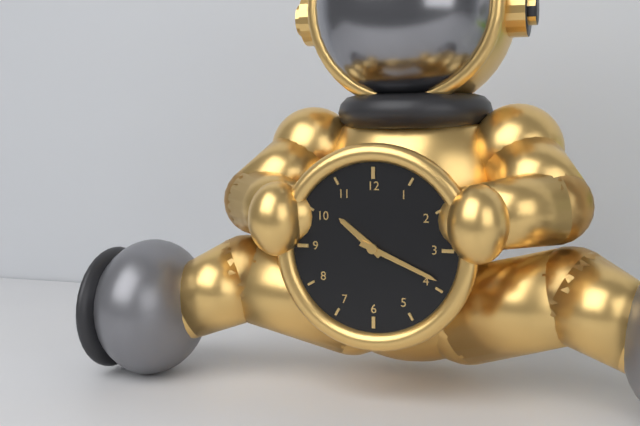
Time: {"hour": 10, "minute": 19}
